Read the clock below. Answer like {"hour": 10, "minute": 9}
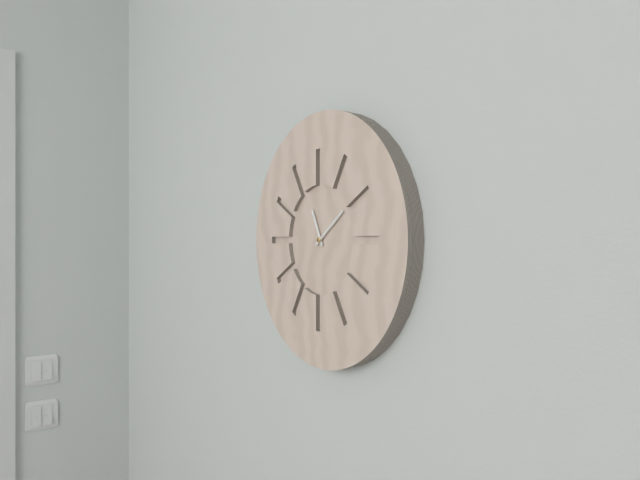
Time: {"hour": 11, "minute": 9}
